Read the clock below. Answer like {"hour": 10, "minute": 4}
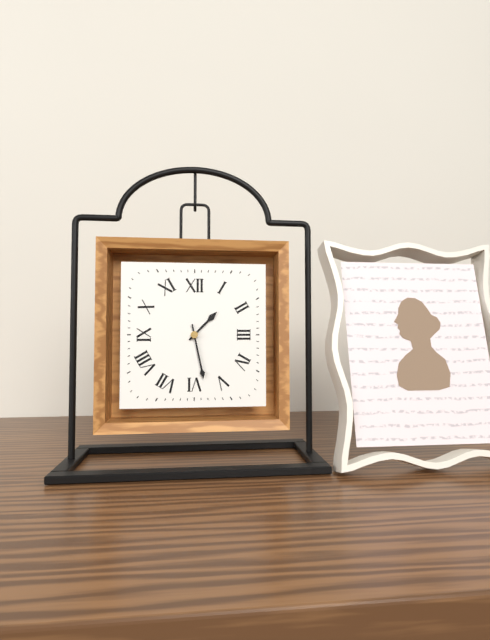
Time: {"hour": 1, "minute": 28}
